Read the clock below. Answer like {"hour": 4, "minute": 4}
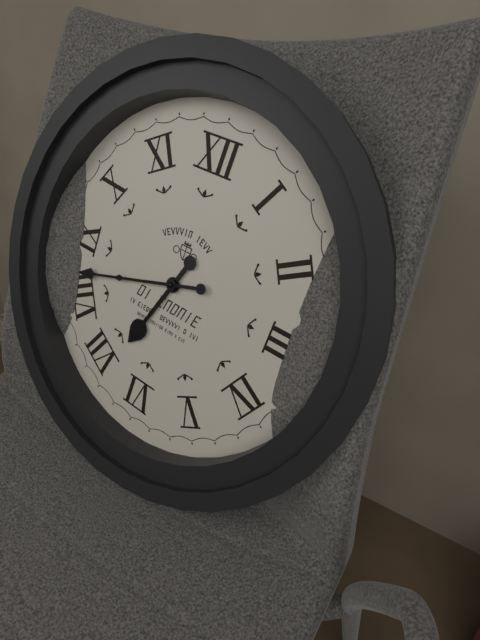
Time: {"hour": 6, "minute": 42}
